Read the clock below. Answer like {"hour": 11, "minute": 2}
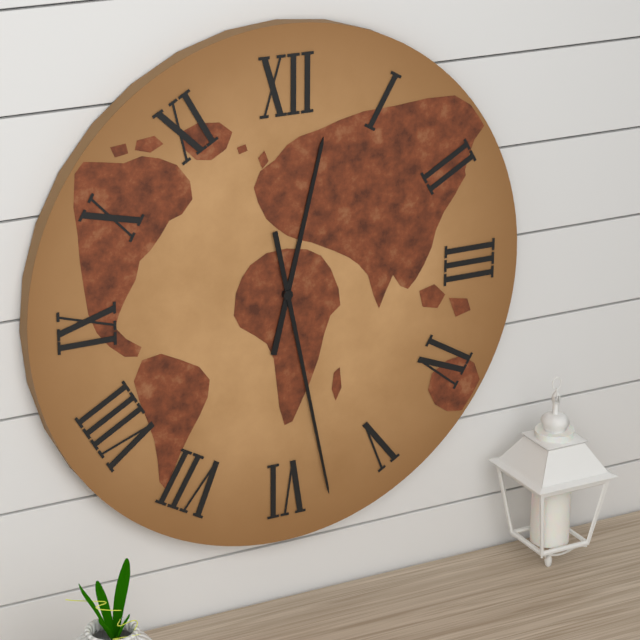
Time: {"hour": 12, "minute": 28}
